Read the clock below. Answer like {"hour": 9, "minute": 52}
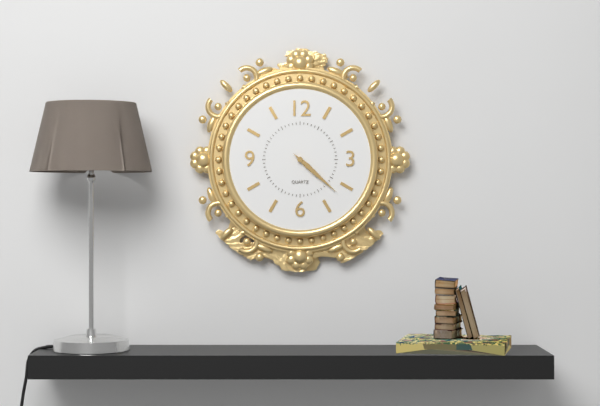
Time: {"hour": 4, "minute": 22}
